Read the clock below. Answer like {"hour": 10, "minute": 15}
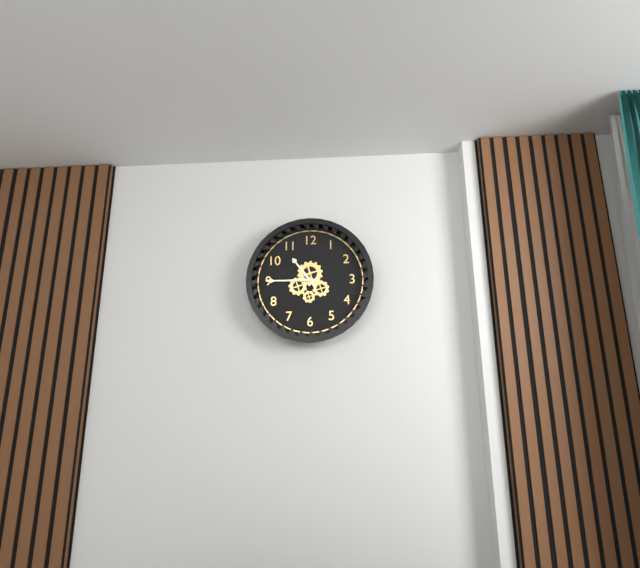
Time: {"hour": 10, "minute": 45}
